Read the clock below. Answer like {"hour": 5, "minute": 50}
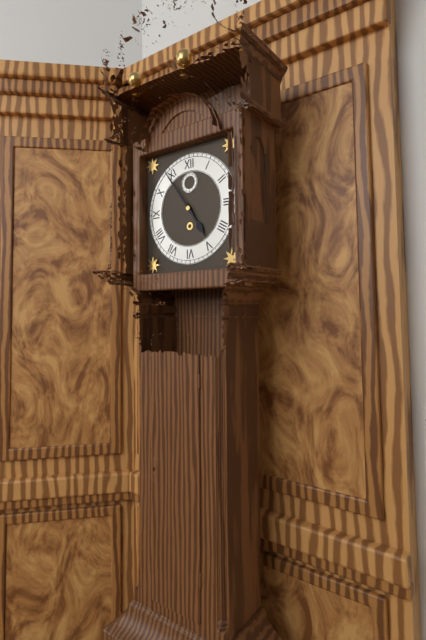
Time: {"hour": 4, "minute": 54}
